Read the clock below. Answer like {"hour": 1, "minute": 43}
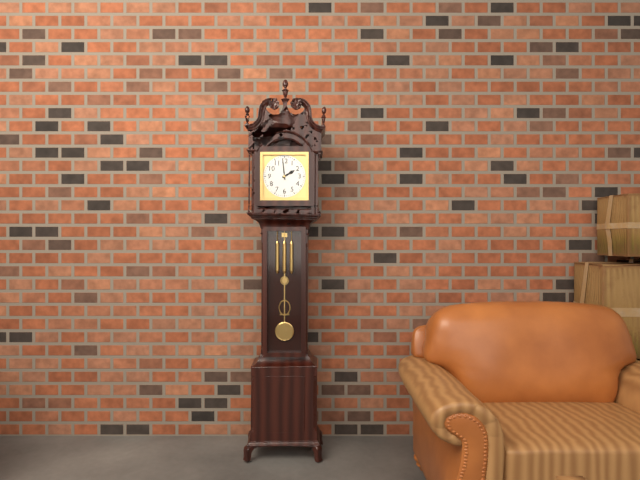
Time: {"hour": 1, "minute": 59}
